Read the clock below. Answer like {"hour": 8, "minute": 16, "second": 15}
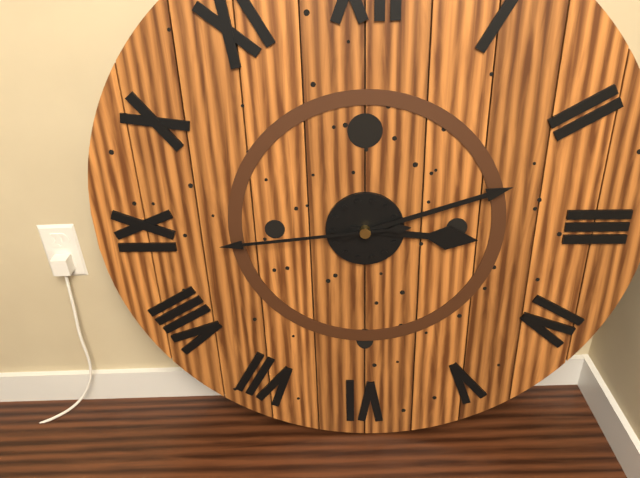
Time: {"hour": 3, "minute": 12, "second": 44}
